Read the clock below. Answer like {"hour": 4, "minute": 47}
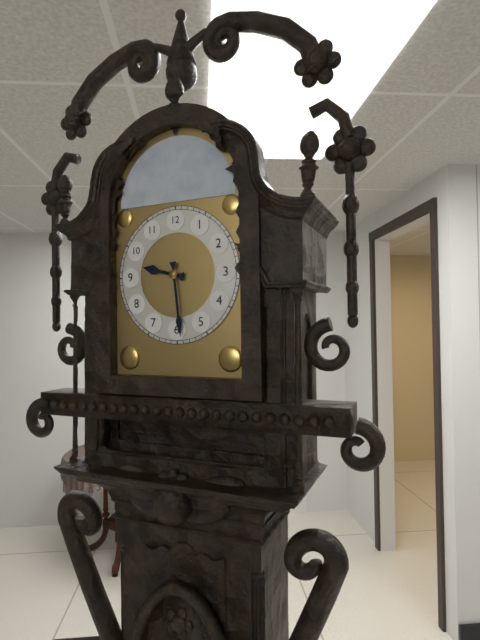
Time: {"hour": 9, "minute": 29}
